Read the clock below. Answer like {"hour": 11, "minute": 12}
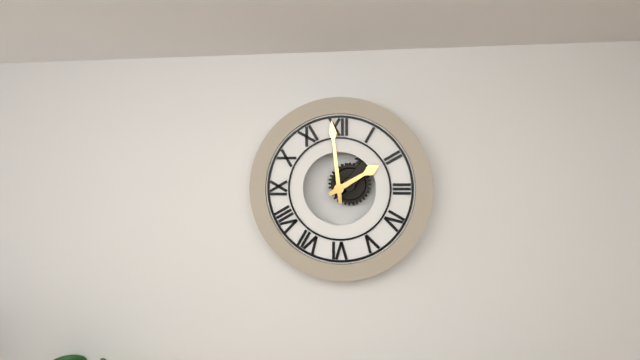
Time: {"hour": 1, "minute": 59}
